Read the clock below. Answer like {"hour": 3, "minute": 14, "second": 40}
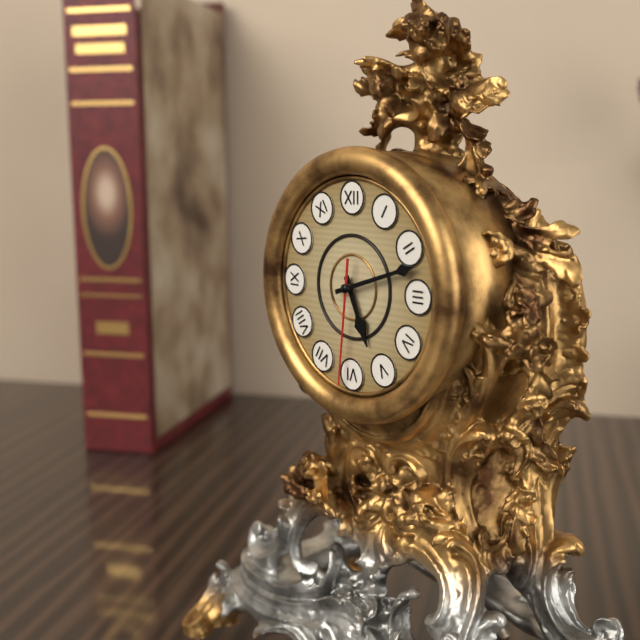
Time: {"hour": 5, "minute": 12, "second": 31}
